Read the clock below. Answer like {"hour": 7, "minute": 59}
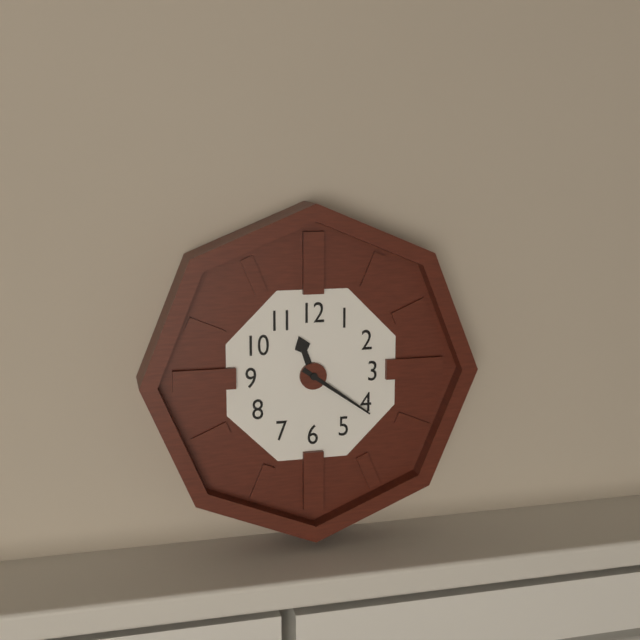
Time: {"hour": 11, "minute": 21}
